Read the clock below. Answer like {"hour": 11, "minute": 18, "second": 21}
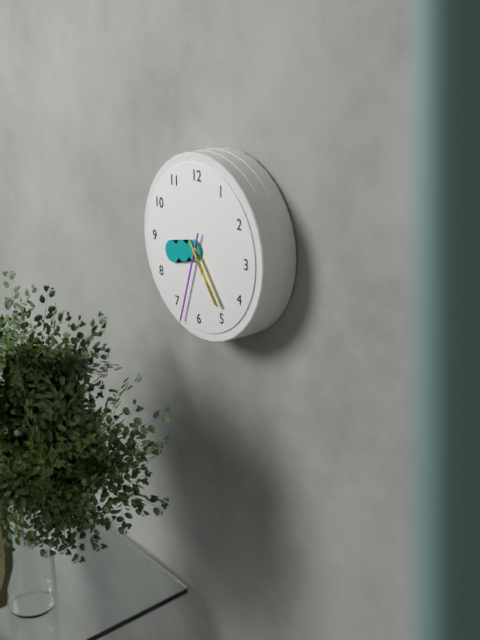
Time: {"hour": 8, "minute": 33, "second": 24}
